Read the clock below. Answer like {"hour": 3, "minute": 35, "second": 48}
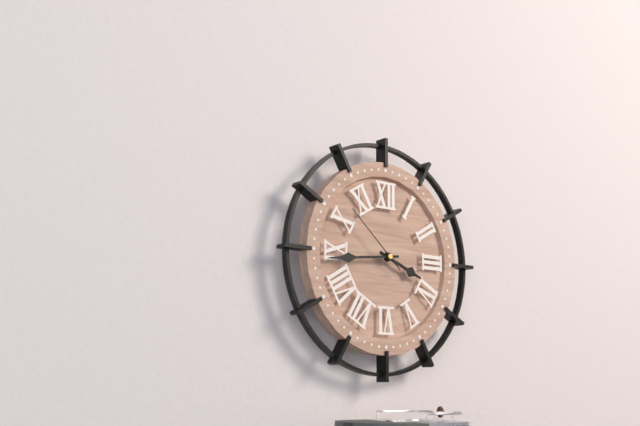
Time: {"hour": 3, "minute": 44, "second": 52}
